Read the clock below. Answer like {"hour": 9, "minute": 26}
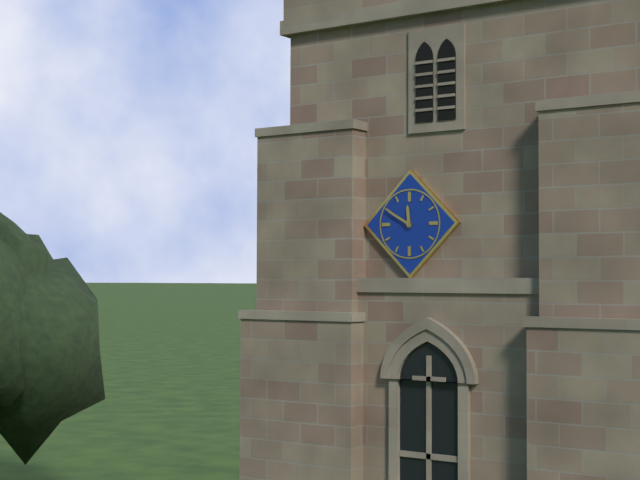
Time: {"hour": 11, "minute": 50}
